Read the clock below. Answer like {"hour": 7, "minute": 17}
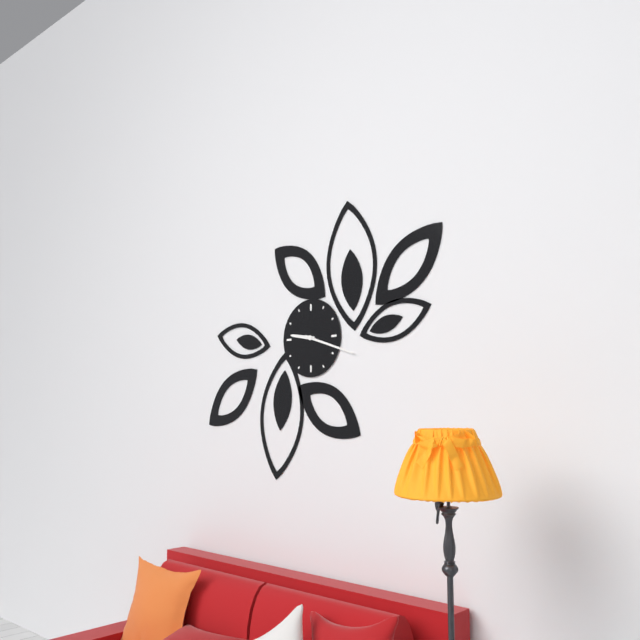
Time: {"hour": 9, "minute": 18}
